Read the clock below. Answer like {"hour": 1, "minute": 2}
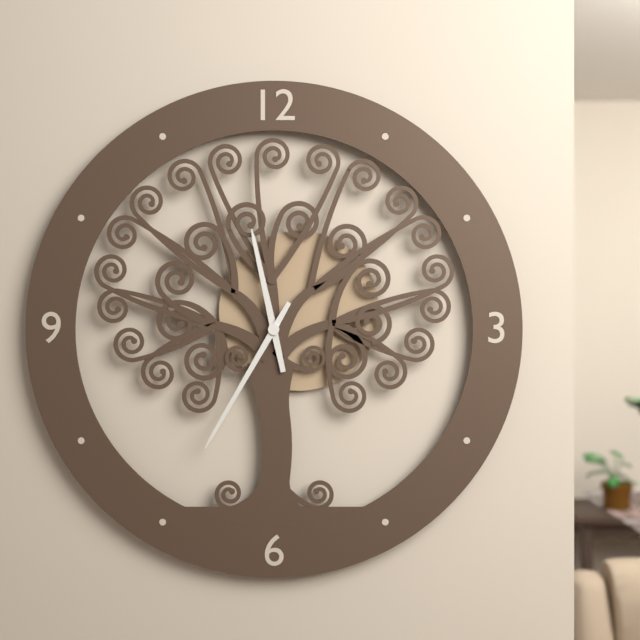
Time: {"hour": 11, "minute": 35}
